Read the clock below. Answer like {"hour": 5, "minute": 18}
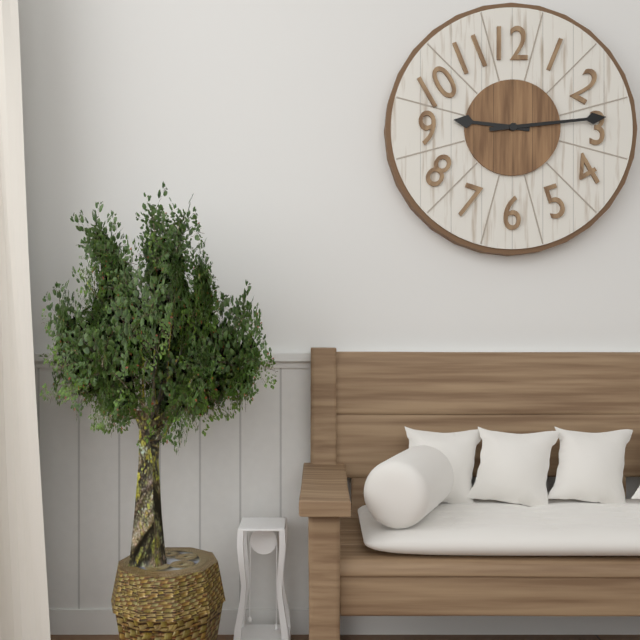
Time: {"hour": 9, "minute": 14}
